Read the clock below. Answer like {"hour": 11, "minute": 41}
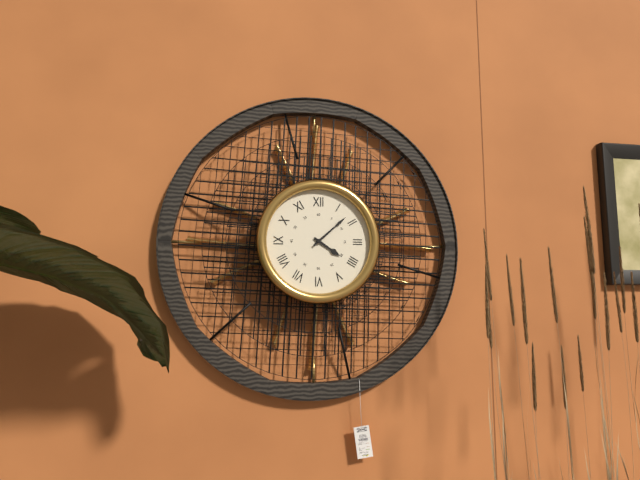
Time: {"hour": 4, "minute": 8}
